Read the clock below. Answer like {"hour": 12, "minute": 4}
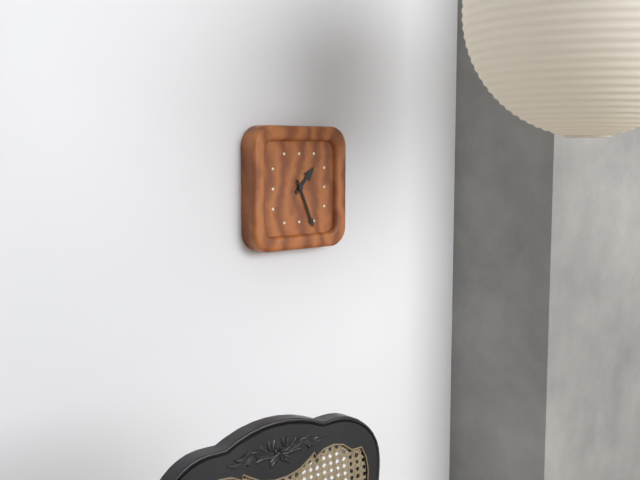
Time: {"hour": 1, "minute": 26}
